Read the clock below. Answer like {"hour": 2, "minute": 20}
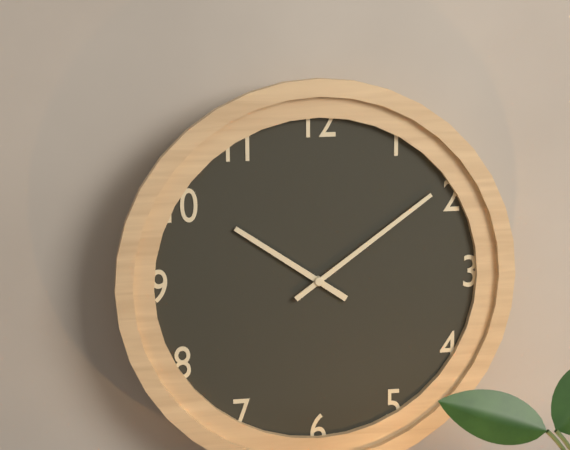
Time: {"hour": 10, "minute": 9}
